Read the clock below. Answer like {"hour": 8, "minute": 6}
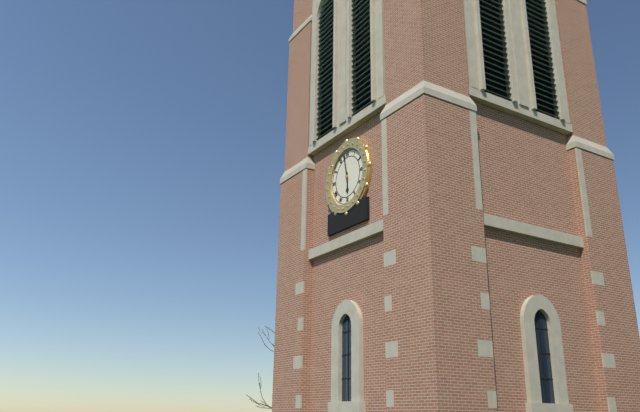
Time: {"hour": 5, "minute": 58}
